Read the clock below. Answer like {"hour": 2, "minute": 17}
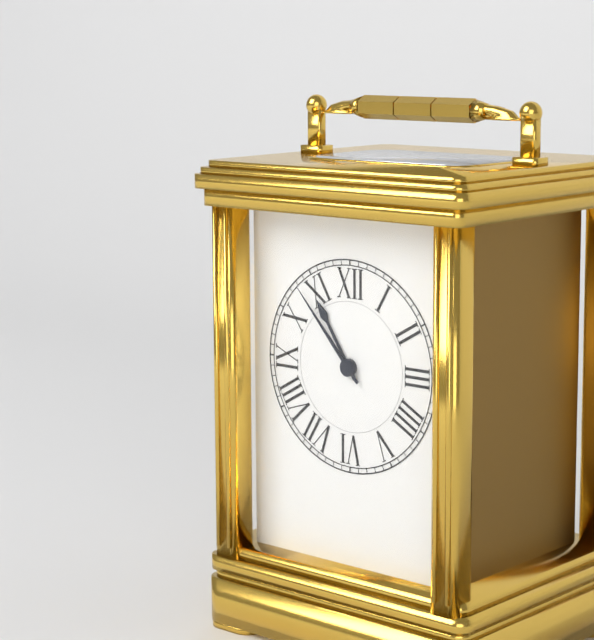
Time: {"hour": 10, "minute": 53}
